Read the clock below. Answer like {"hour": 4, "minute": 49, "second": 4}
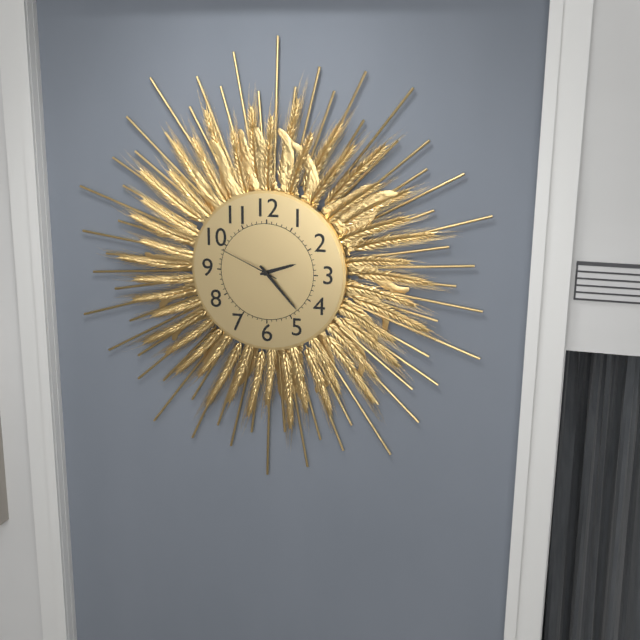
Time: {"hour": 2, "minute": 23, "second": 49}
